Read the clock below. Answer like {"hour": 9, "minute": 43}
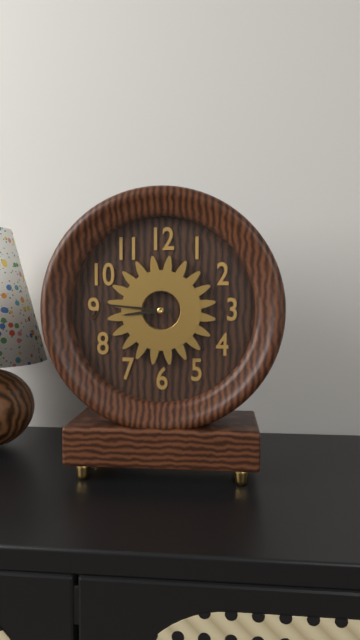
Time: {"hour": 8, "minute": 46}
